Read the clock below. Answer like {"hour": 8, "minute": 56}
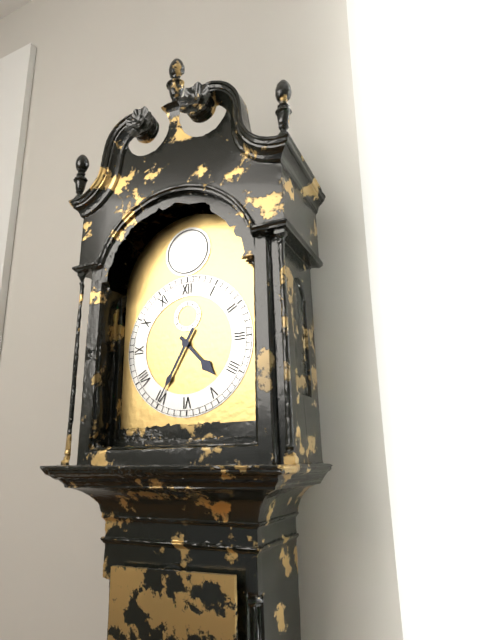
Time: {"hour": 4, "minute": 35}
